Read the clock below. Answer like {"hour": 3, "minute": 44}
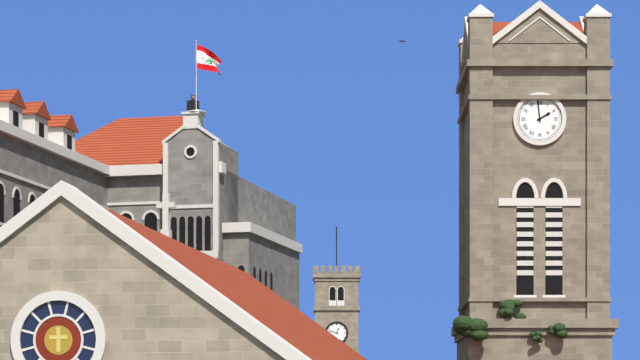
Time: {"hour": 1, "minute": 59}
